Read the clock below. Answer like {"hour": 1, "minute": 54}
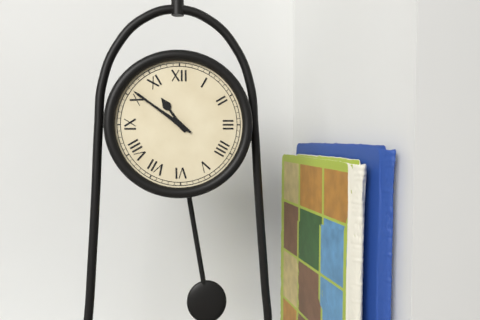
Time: {"hour": 10, "minute": 51}
